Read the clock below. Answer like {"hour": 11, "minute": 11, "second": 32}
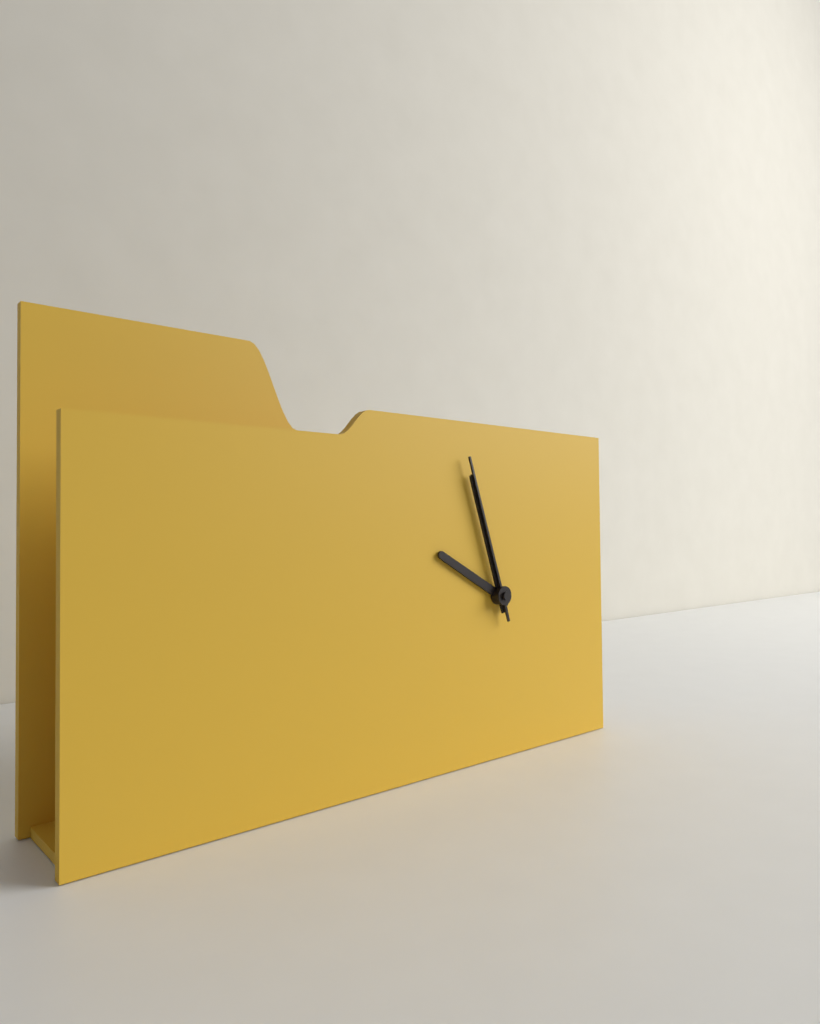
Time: {"hour": 9, "minute": 57, "second": 57}
